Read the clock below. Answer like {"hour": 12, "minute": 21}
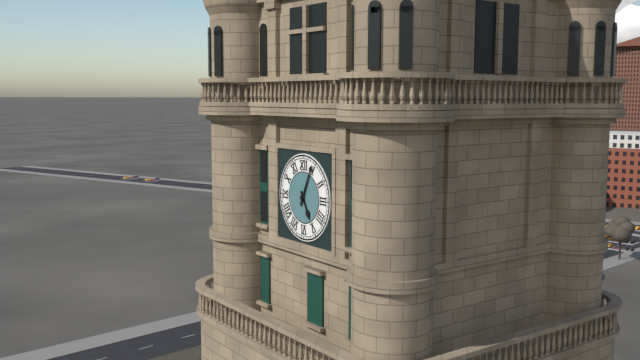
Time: {"hour": 5, "minute": 4}
